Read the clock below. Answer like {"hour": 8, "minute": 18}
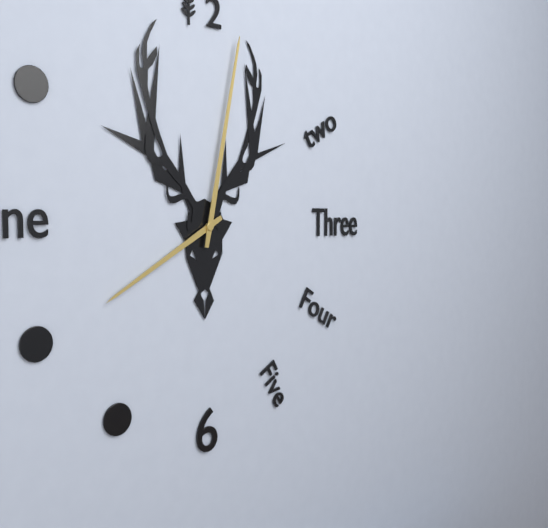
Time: {"hour": 8, "minute": 2}
